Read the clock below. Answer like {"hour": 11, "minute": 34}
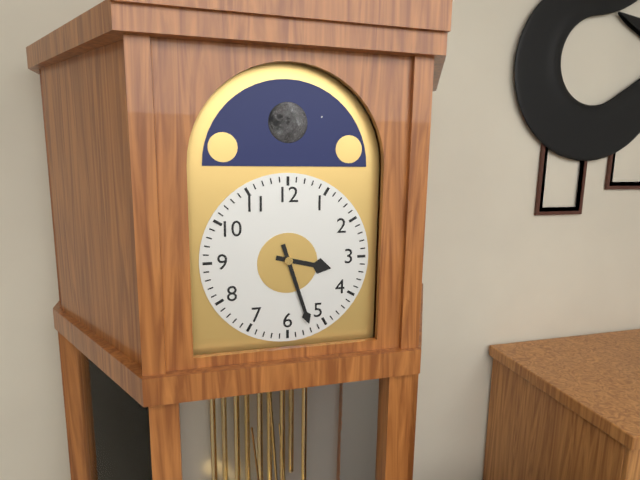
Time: {"hour": 3, "minute": 27}
